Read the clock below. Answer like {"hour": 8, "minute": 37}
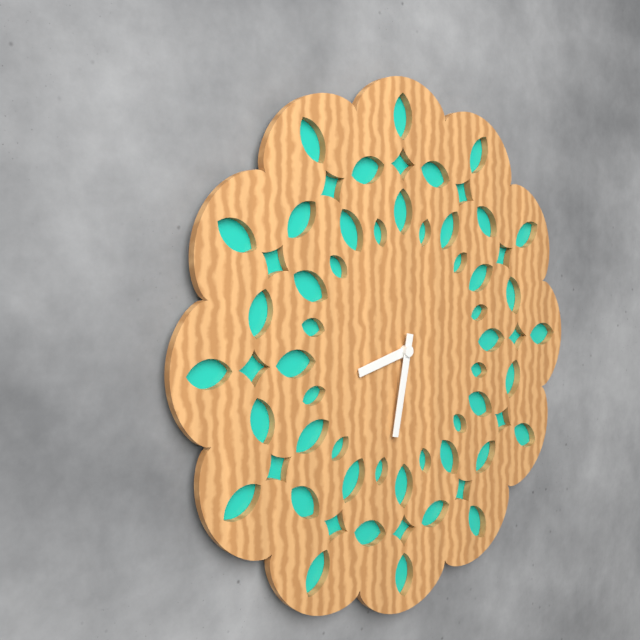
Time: {"hour": 8, "minute": 32}
